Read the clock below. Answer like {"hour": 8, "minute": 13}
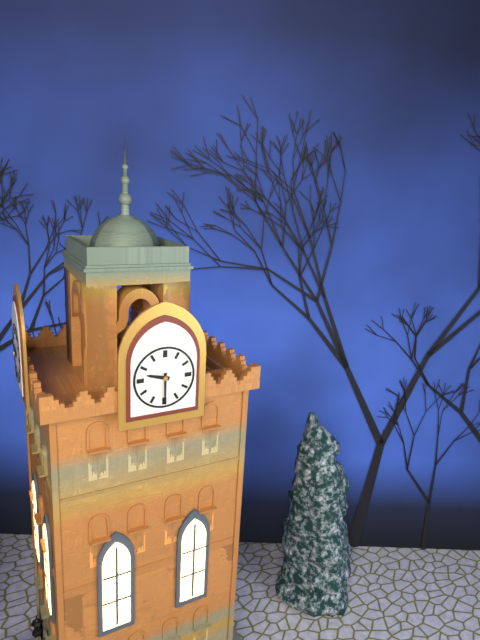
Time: {"hour": 9, "minute": 30}
